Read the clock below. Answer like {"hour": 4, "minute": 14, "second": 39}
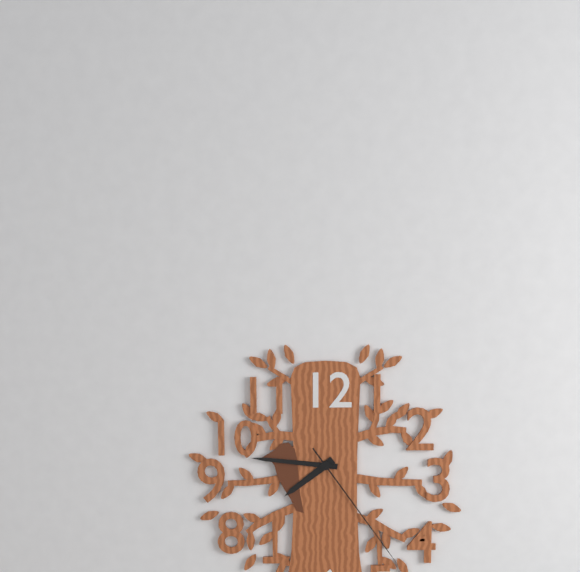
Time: {"hour": 7, "minute": 46, "second": 24}
